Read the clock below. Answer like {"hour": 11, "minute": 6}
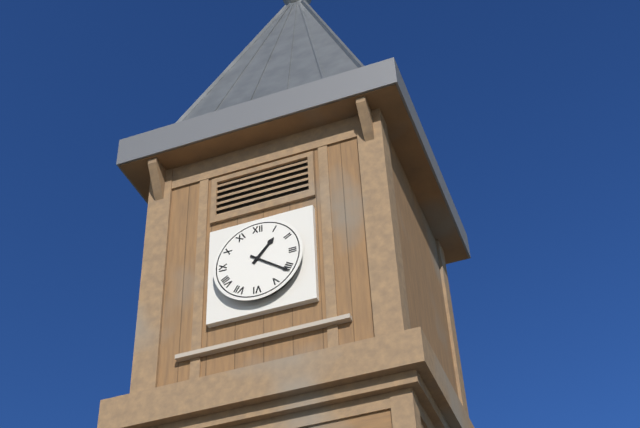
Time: {"hour": 1, "minute": 21}
